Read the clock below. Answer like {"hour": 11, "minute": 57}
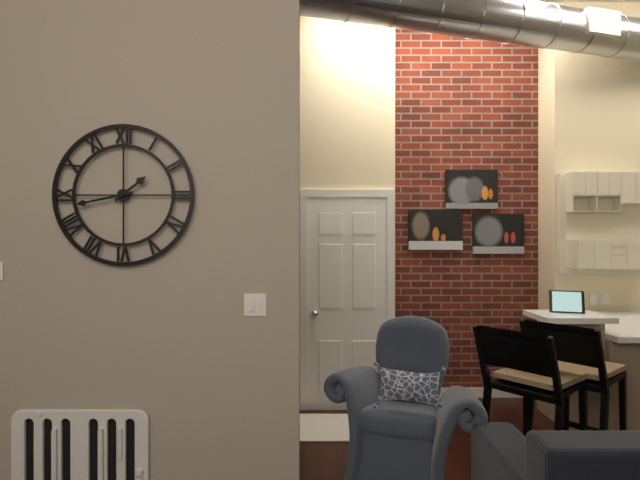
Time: {"hour": 1, "minute": 43}
